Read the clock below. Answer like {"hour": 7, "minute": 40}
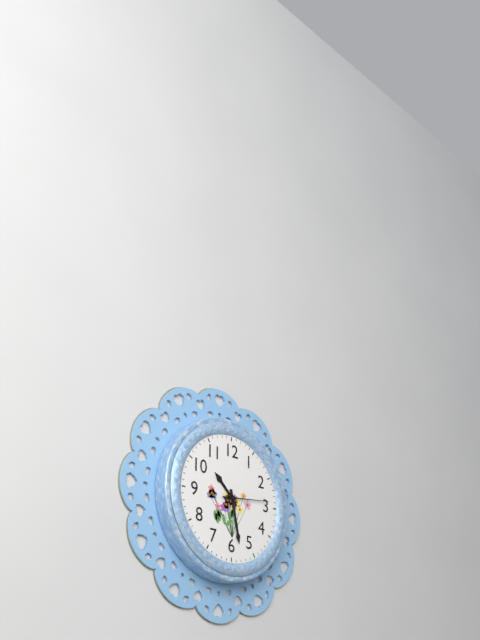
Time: {"hour": 10, "minute": 28}
